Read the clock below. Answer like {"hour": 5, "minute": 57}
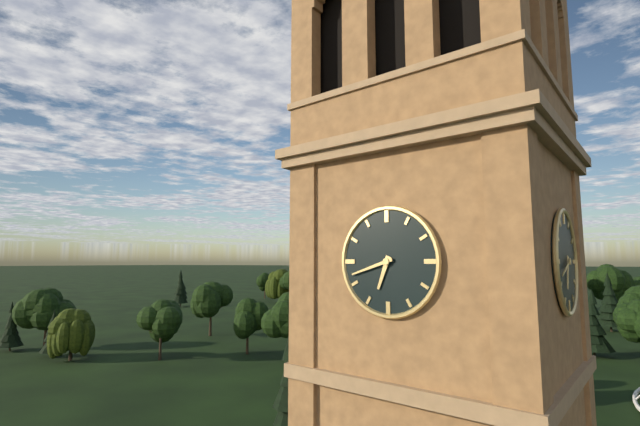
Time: {"hour": 6, "minute": 42}
